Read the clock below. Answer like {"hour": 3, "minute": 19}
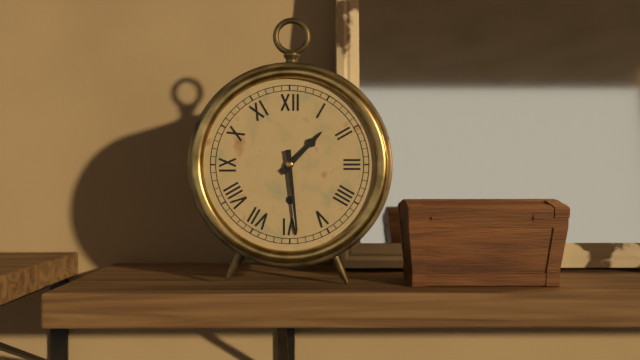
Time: {"hour": 1, "minute": 29}
